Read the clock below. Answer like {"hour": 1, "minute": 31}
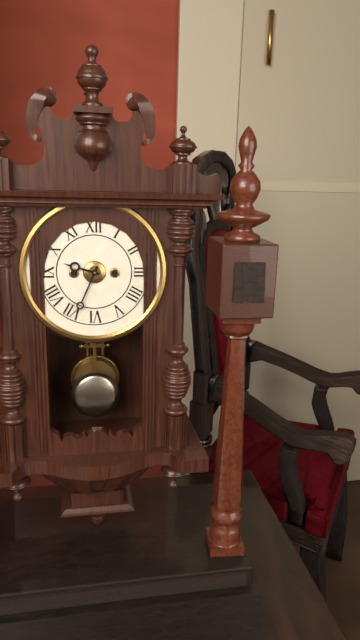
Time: {"hour": 9, "minute": 34}
